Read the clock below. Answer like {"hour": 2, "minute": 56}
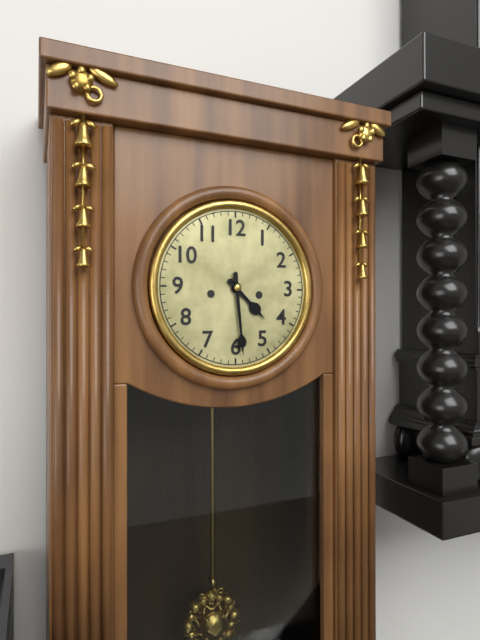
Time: {"hour": 4, "minute": 29}
